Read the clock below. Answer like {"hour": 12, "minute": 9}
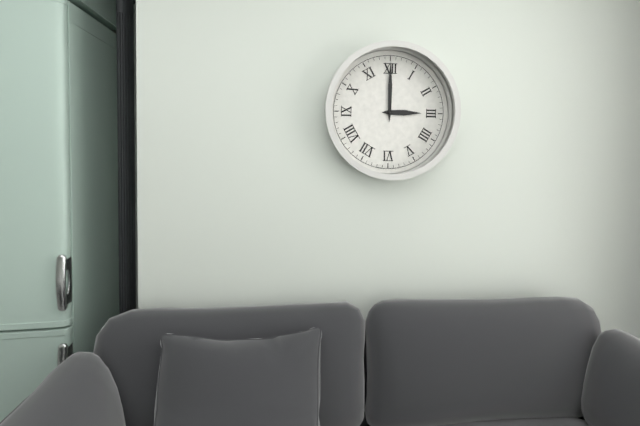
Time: {"hour": 3, "minute": 0}
